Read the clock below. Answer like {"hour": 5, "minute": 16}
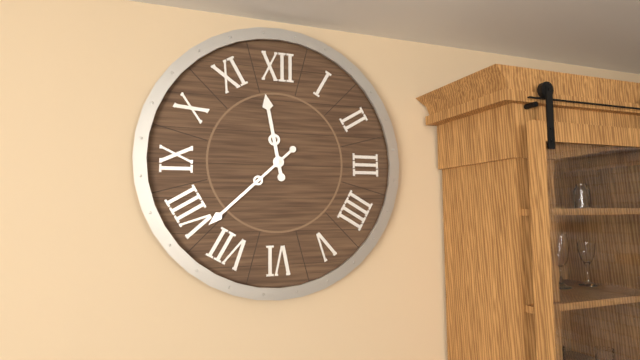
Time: {"hour": 11, "minute": 38}
